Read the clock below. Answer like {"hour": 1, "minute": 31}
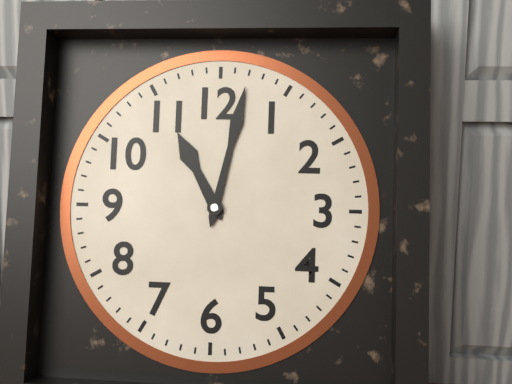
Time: {"hour": 11, "minute": 2}
